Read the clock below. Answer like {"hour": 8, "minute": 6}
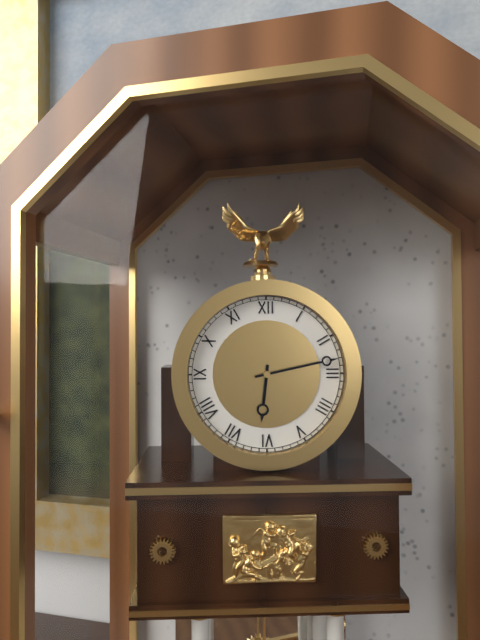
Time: {"hour": 6, "minute": 13}
